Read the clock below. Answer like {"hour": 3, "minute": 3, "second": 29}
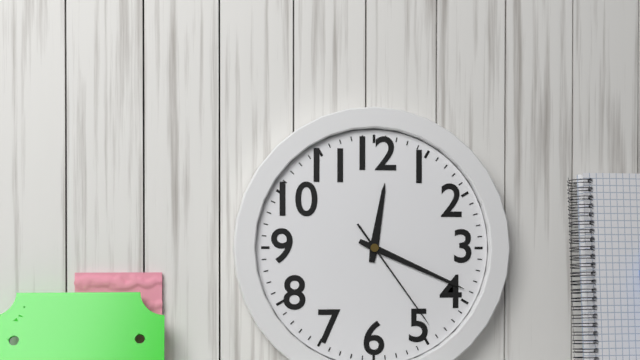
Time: {"hour": 12, "minute": 19, "second": 24}
